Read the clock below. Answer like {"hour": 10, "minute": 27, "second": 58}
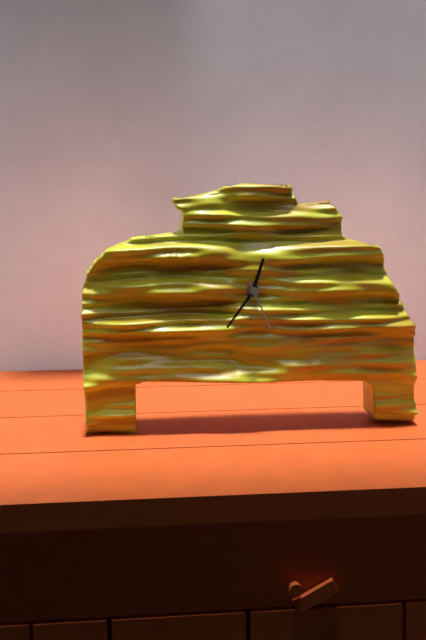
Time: {"hour": 12, "minute": 36, "second": 26}
